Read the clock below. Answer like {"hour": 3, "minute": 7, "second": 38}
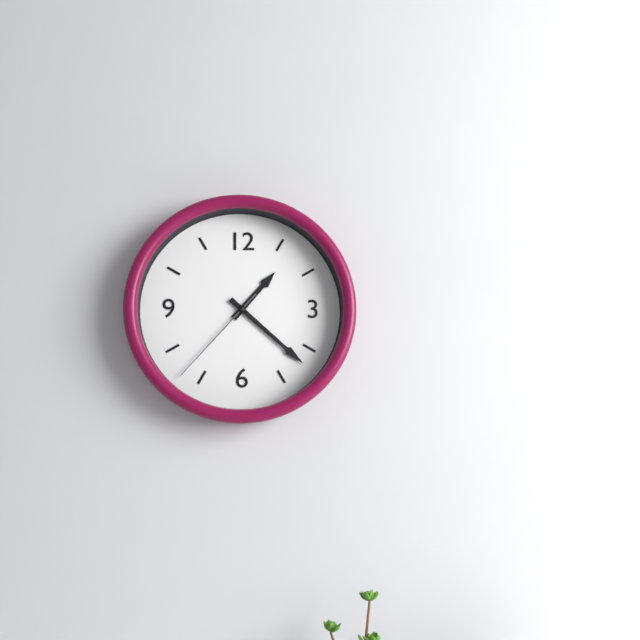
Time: {"hour": 1, "minute": 22, "second": 37}
